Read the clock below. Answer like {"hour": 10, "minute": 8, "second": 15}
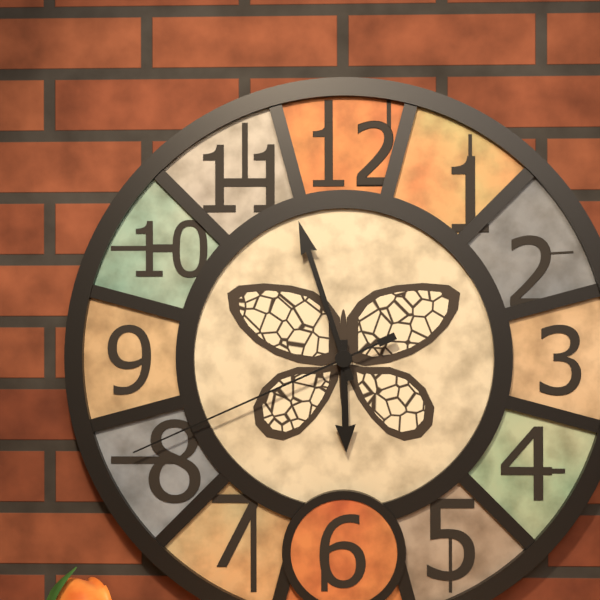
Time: {"hour": 5, "minute": 57, "second": 41}
